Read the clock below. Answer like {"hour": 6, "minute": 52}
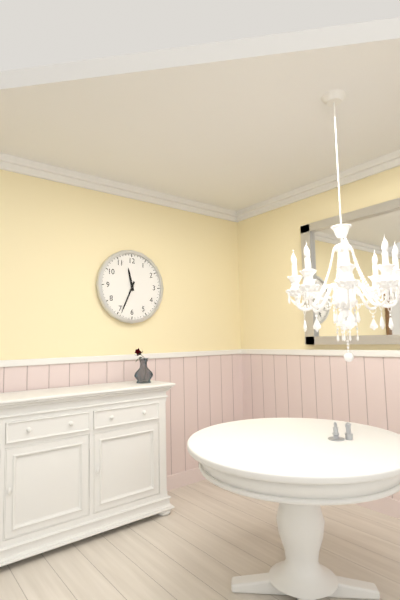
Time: {"hour": 11, "minute": 34}
